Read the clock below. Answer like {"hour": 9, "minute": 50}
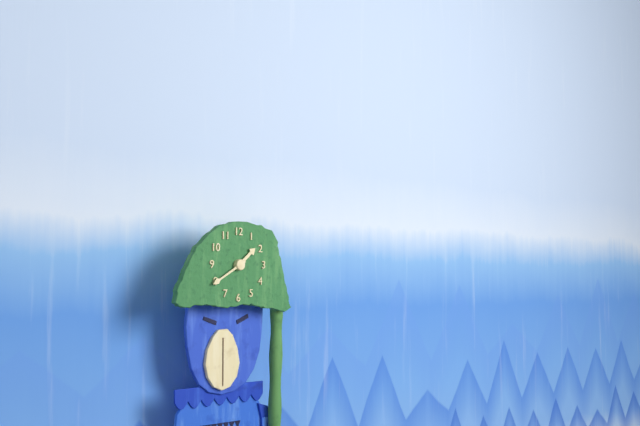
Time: {"hour": 1, "minute": 40}
